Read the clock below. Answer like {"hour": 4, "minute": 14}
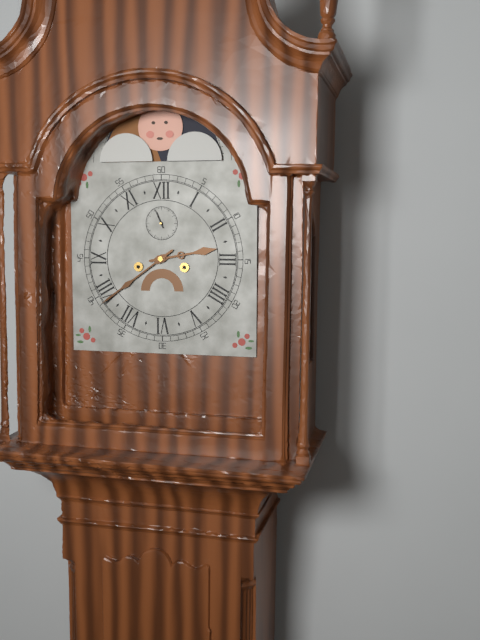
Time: {"hour": 2, "minute": 39}
